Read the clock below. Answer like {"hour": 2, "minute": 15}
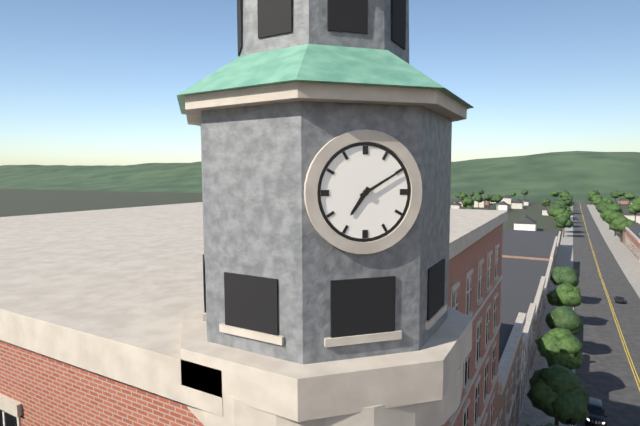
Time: {"hour": 7, "minute": 10}
